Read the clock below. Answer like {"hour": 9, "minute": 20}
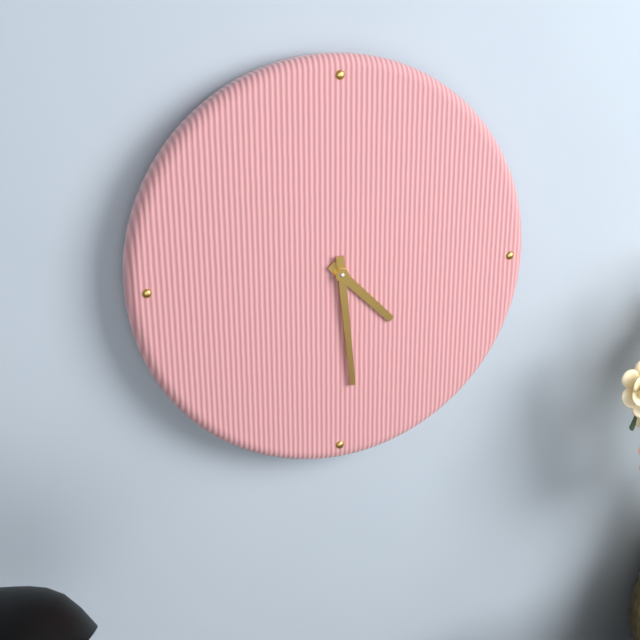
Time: {"hour": 4, "minute": 29}
